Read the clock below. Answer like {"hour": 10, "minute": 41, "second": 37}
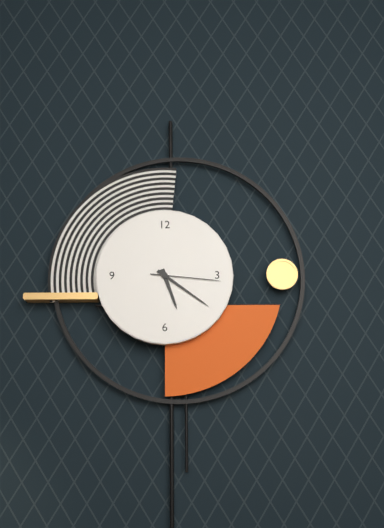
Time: {"hour": 5, "minute": 21, "second": 16}
